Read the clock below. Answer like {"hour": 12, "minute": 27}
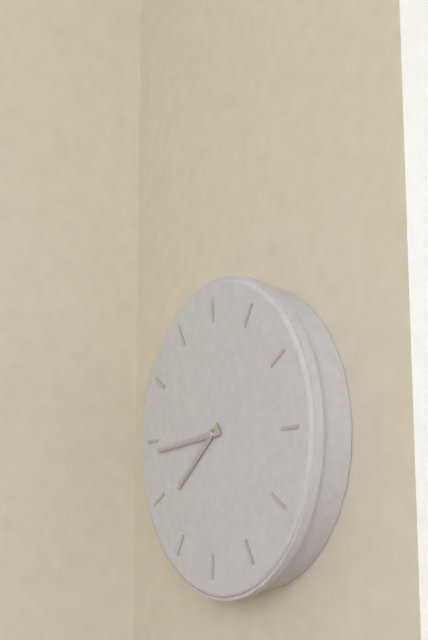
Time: {"hour": 7, "minute": 44}
